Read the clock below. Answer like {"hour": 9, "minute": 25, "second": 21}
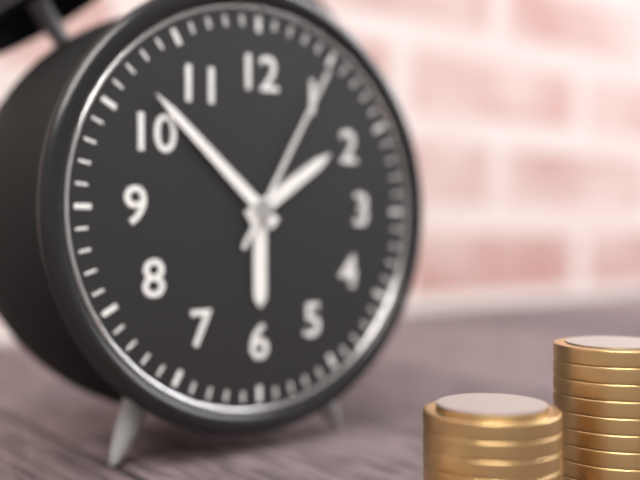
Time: {"hour": 1, "minute": 52, "second": 5}
